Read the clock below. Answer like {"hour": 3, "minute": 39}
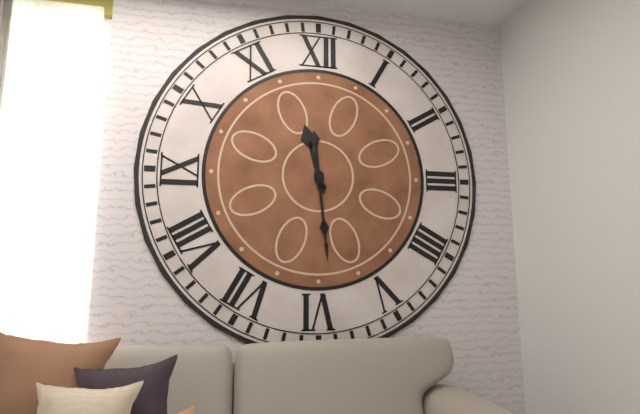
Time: {"hour": 11, "minute": 29}
